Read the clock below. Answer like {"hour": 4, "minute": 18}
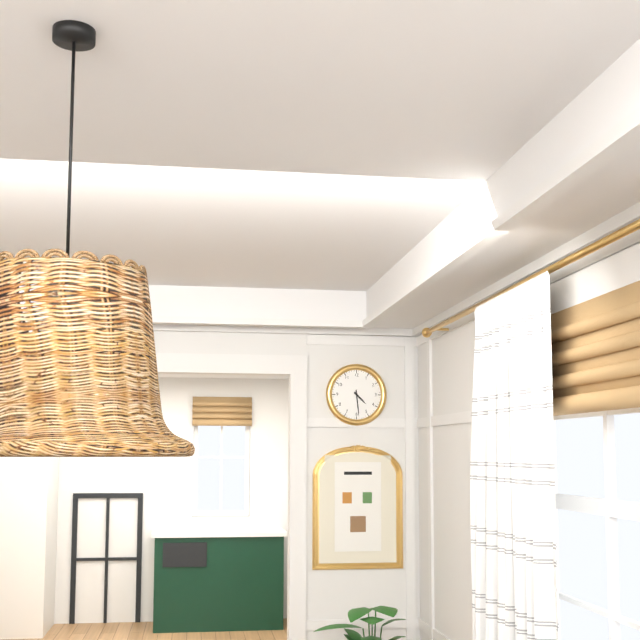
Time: {"hour": 4, "minute": 29}
